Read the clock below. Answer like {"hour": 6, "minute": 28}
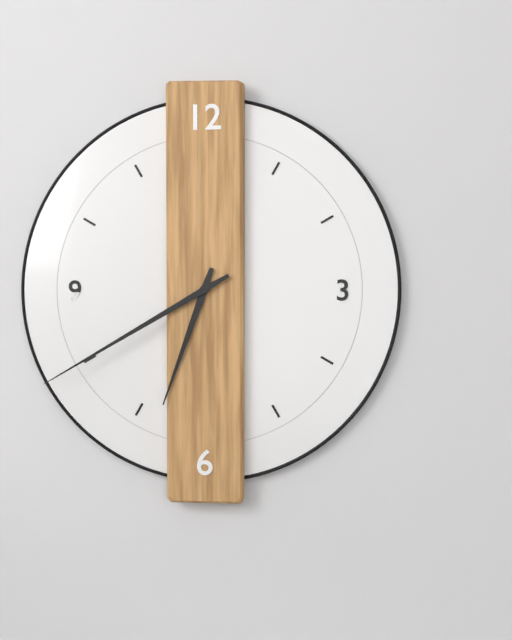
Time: {"hour": 6, "minute": 40}
